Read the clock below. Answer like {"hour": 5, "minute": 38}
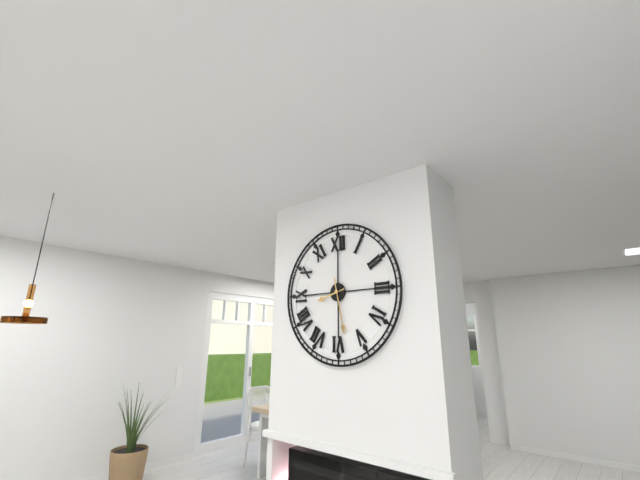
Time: {"hour": 8, "minute": 28}
